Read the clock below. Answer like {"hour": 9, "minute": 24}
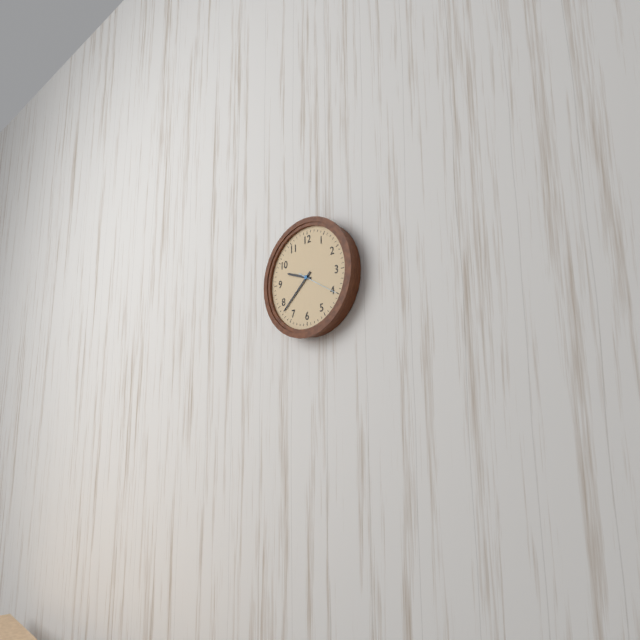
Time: {"hour": 9, "minute": 38}
